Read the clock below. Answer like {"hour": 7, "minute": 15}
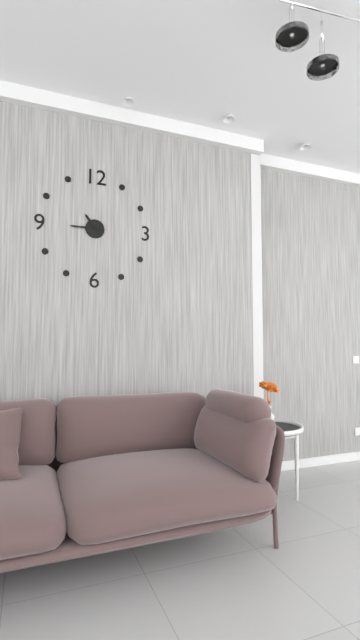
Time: {"hour": 10, "minute": 45}
